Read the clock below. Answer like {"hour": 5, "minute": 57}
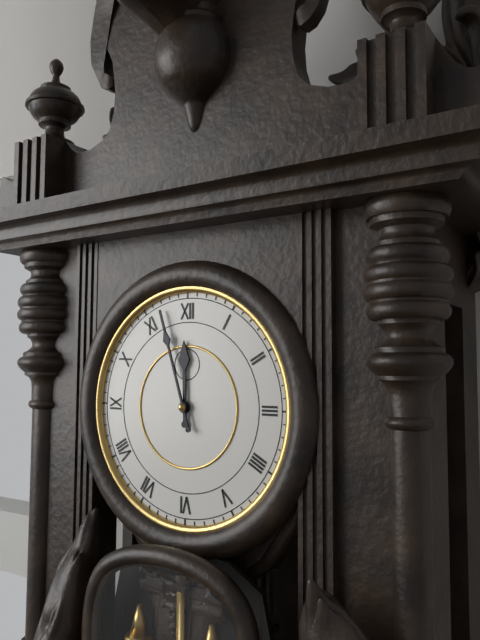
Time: {"hour": 11, "minute": 57}
